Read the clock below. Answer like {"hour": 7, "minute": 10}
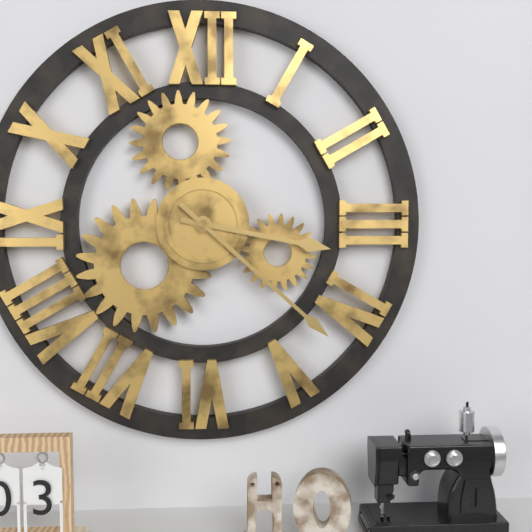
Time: {"hour": 3, "minute": 22}
